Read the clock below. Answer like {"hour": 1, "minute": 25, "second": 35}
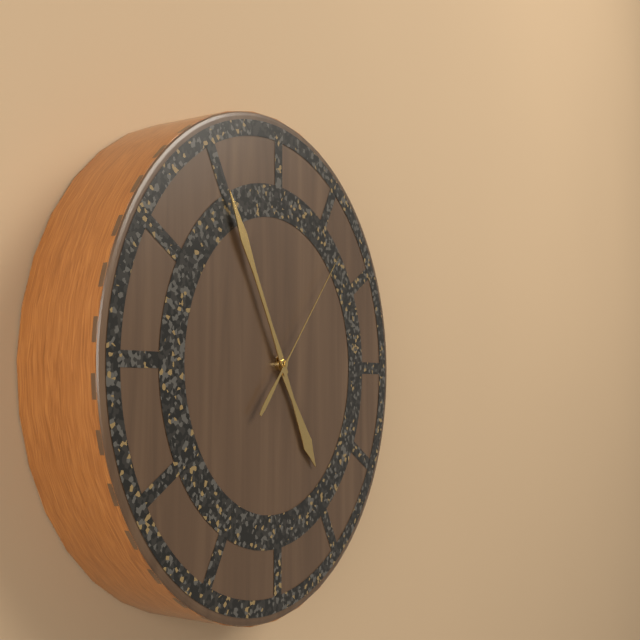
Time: {"hour": 4, "minute": 55, "second": 7}
